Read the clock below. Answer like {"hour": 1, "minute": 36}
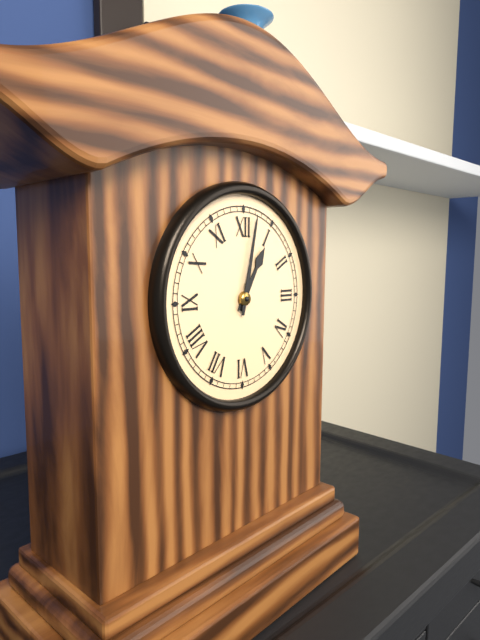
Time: {"hour": 1, "minute": 2}
